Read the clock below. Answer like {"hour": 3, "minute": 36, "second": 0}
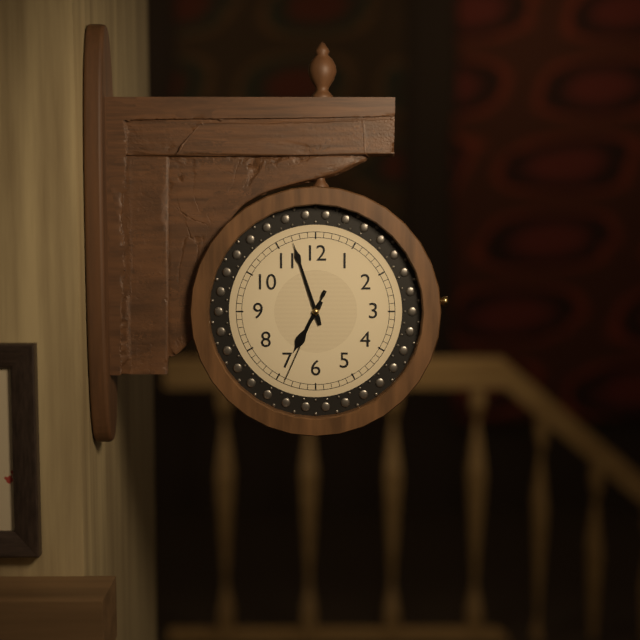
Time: {"hour": 6, "minute": 57, "second": 34}
